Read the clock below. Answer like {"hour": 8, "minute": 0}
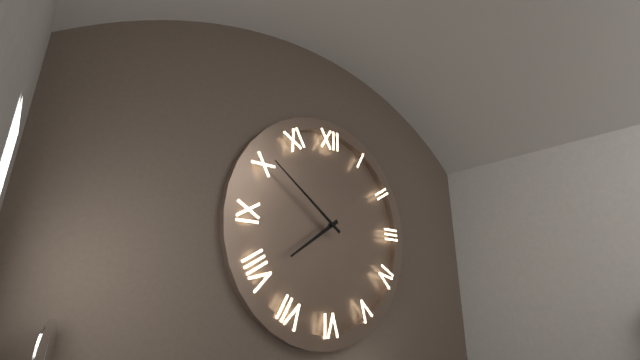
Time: {"hour": 7, "minute": 51}
